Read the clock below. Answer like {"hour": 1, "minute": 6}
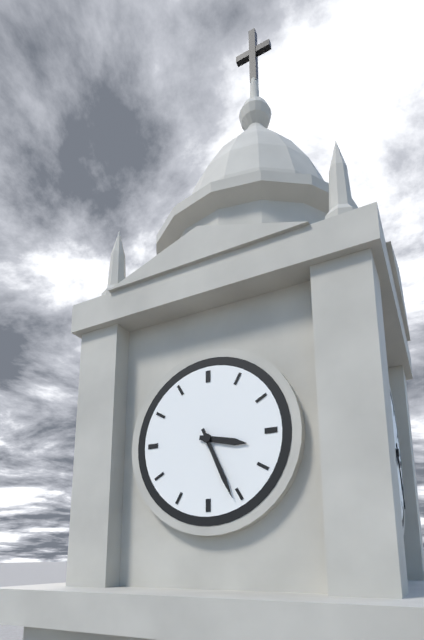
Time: {"hour": 3, "minute": 26}
